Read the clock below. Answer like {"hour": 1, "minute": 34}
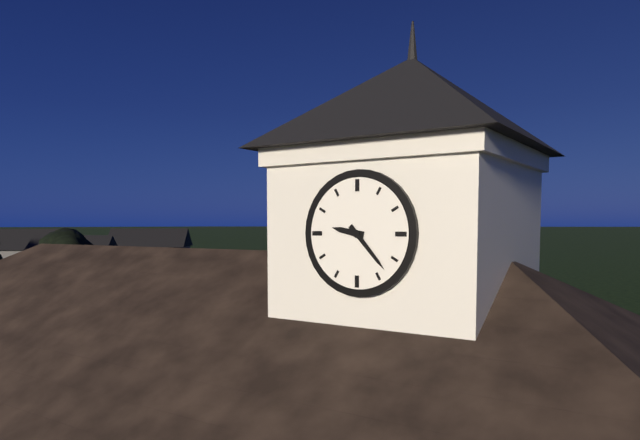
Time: {"hour": 9, "minute": 23}
